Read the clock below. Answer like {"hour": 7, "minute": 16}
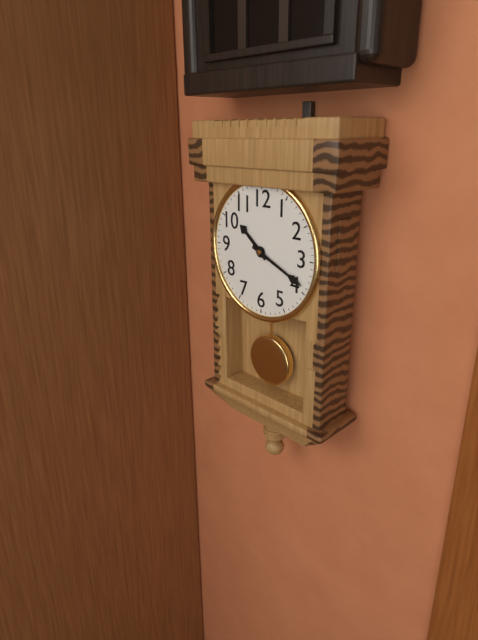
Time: {"hour": 10, "minute": 19}
